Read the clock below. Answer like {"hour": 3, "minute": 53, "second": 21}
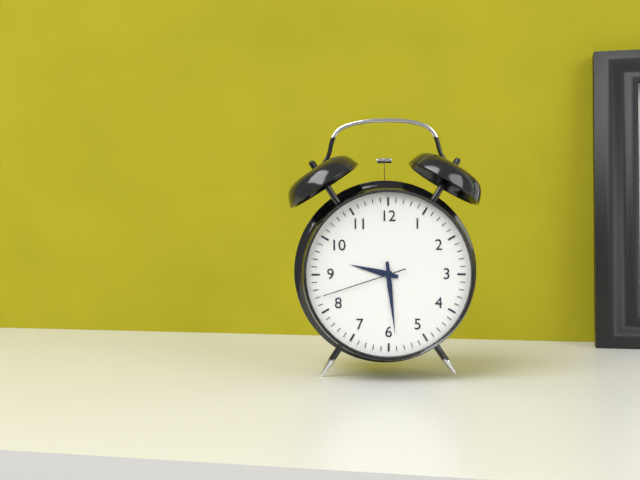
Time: {"hour": 9, "minute": 29, "second": 42}
